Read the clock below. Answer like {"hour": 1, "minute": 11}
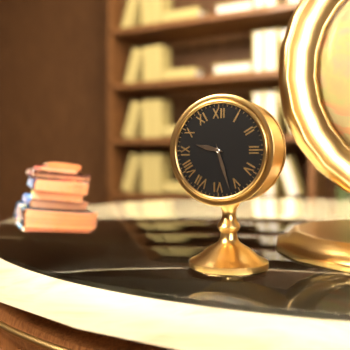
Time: {"hour": 9, "minute": 27}
